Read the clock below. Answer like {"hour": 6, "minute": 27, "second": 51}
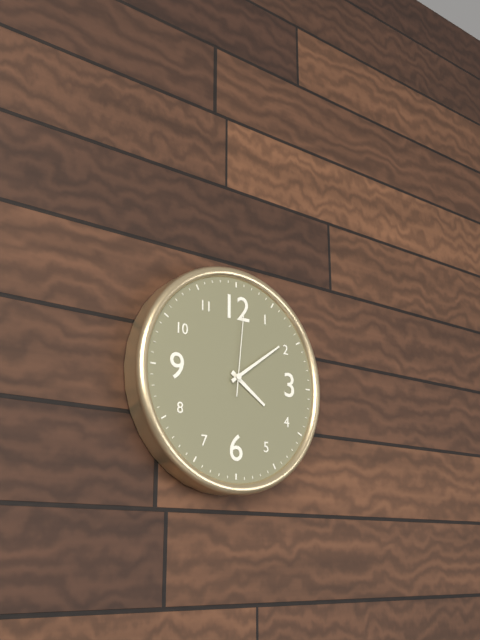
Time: {"hour": 4, "minute": 9, "second": 1}
